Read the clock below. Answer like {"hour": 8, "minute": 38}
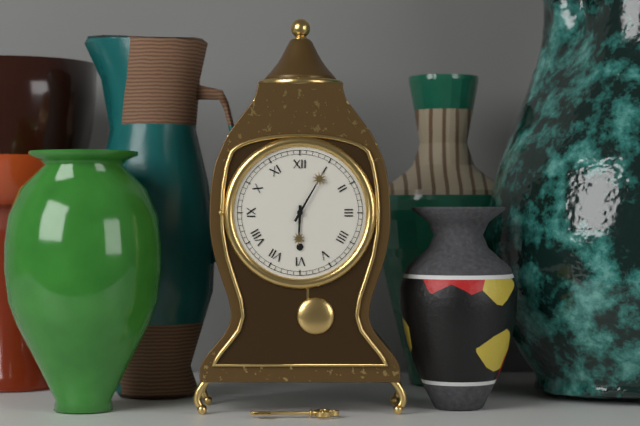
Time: {"hour": 6, "minute": 5}
